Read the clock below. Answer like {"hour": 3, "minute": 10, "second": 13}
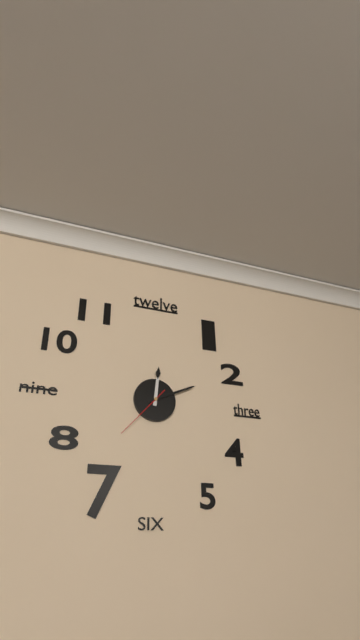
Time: {"hour": 12, "minute": 11, "second": 37}
